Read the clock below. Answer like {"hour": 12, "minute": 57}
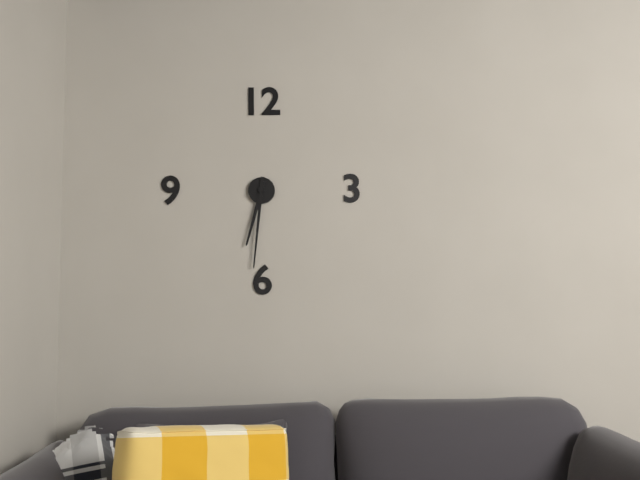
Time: {"hour": 6, "minute": 31}
